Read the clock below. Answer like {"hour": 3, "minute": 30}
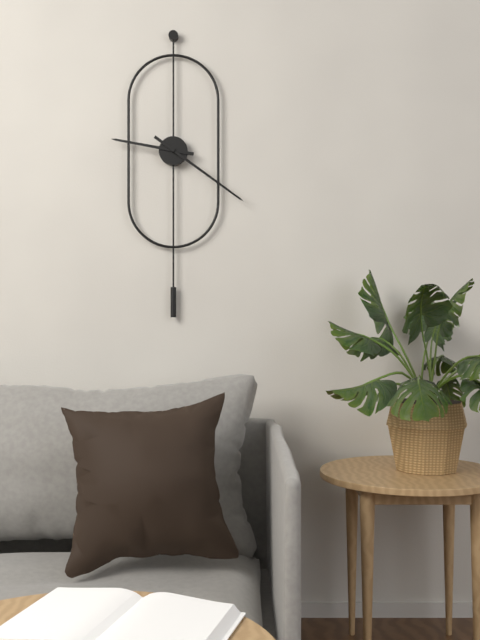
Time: {"hour": 9, "minute": 21}
